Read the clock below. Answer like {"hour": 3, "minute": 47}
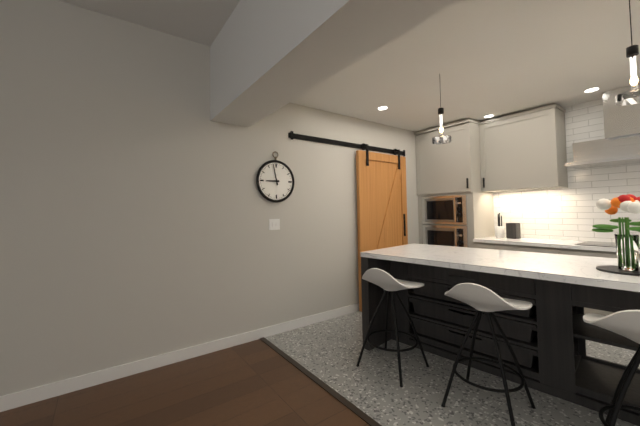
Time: {"hour": 8, "minute": 58}
